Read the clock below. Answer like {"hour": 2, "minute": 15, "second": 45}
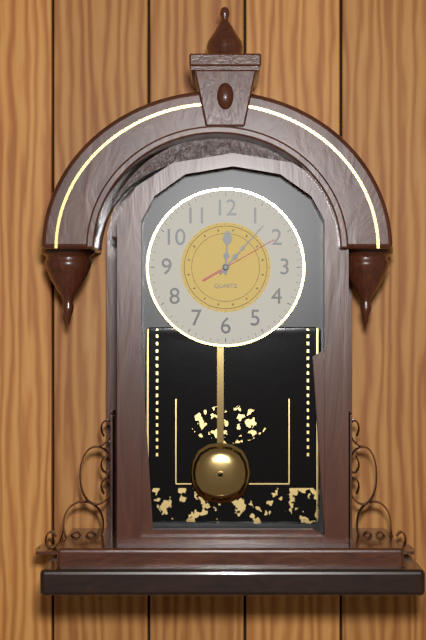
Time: {"hour": 12, "minute": 7, "second": 10}
